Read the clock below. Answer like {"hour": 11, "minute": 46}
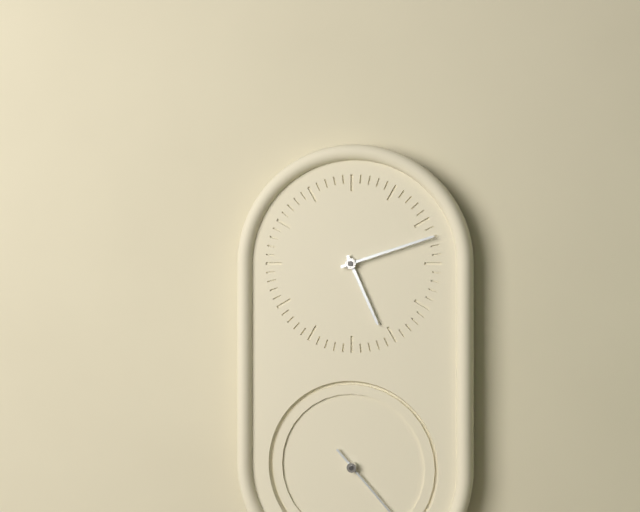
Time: {"hour": 5, "minute": 12}
